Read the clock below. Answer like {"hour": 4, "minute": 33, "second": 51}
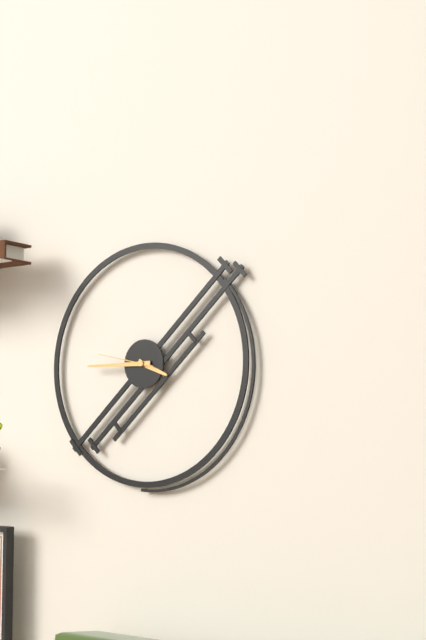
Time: {"hour": 3, "minute": 45, "second": 47}
